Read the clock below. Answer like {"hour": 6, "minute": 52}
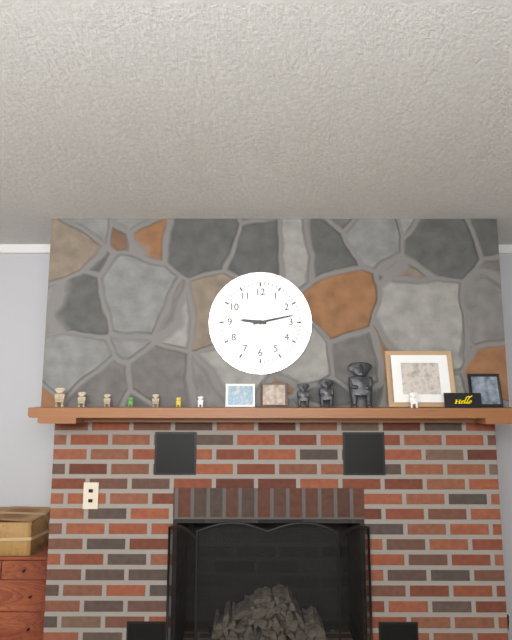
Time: {"hour": 9, "minute": 13}
